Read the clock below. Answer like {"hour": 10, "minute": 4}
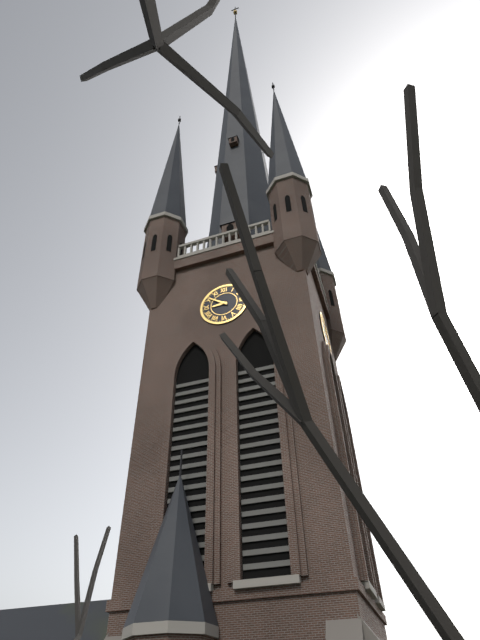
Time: {"hour": 8, "minute": 51}
